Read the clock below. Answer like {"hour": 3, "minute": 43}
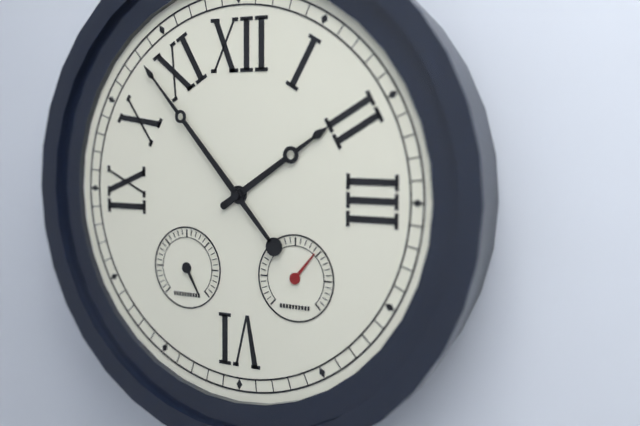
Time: {"hour": 1, "minute": 53}
